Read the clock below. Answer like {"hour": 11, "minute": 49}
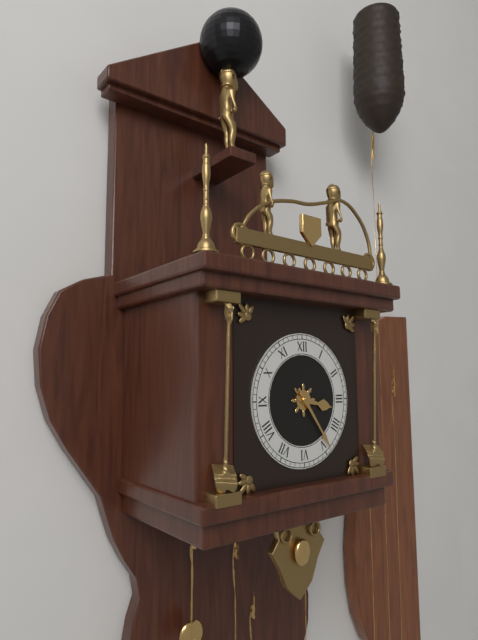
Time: {"hour": 3, "minute": 24}
